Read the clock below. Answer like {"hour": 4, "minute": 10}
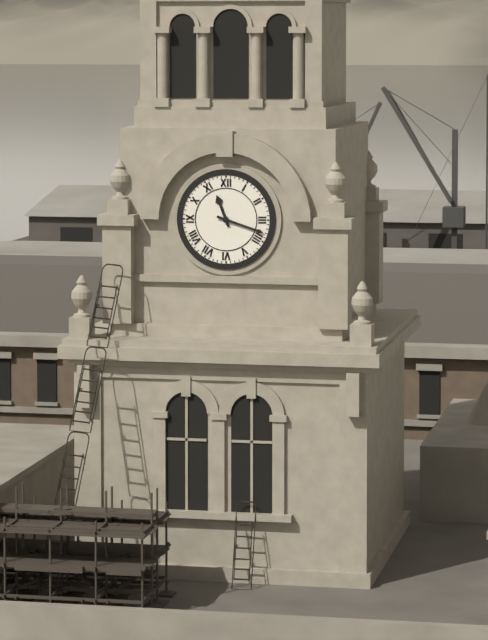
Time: {"hour": 11, "minute": 18}
